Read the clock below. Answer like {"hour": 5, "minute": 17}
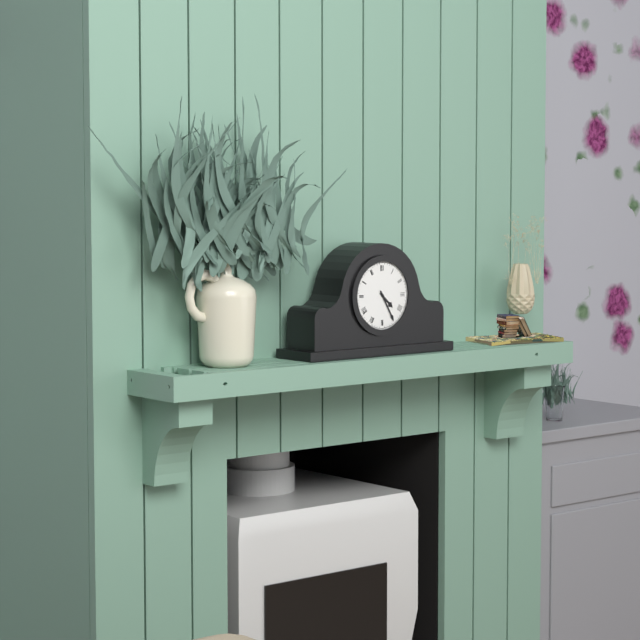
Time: {"hour": 4, "minute": 25}
